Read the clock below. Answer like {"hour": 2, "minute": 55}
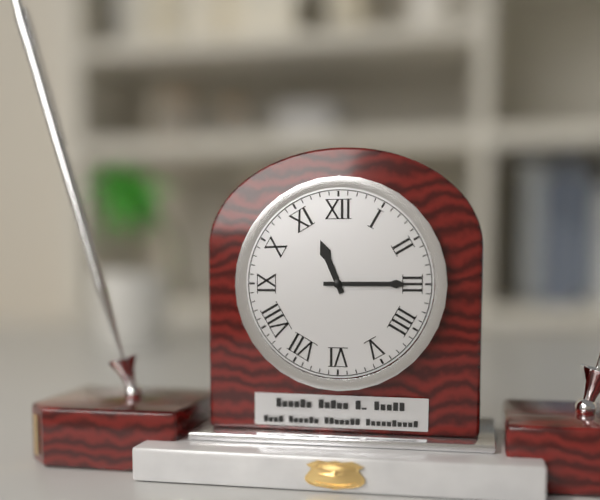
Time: {"hour": 11, "minute": 15}
